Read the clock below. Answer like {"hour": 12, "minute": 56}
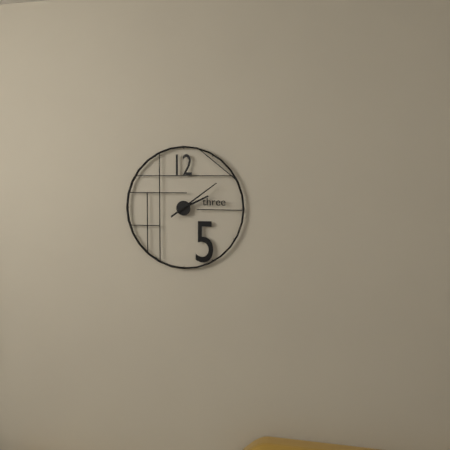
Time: {"hour": 2, "minute": 9}
